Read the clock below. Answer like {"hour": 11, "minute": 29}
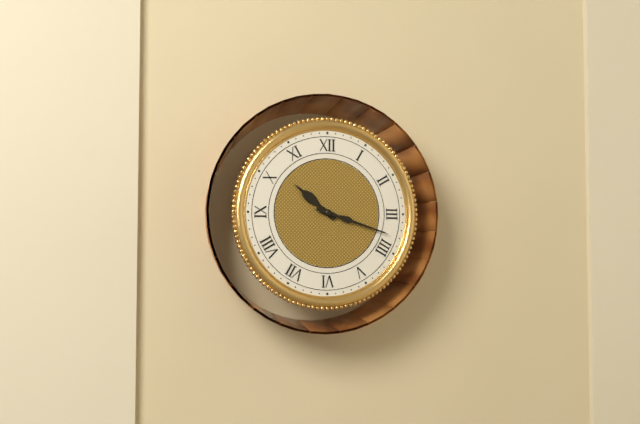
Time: {"hour": 10, "minute": 18}
